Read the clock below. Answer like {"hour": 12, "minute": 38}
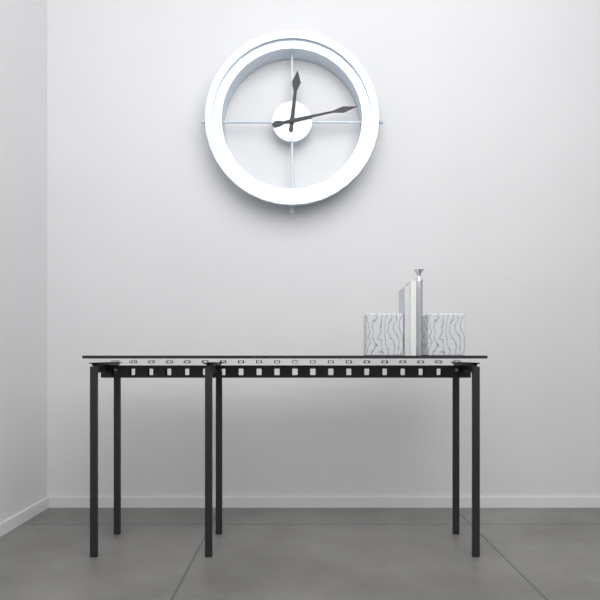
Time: {"hour": 12, "minute": 13}
